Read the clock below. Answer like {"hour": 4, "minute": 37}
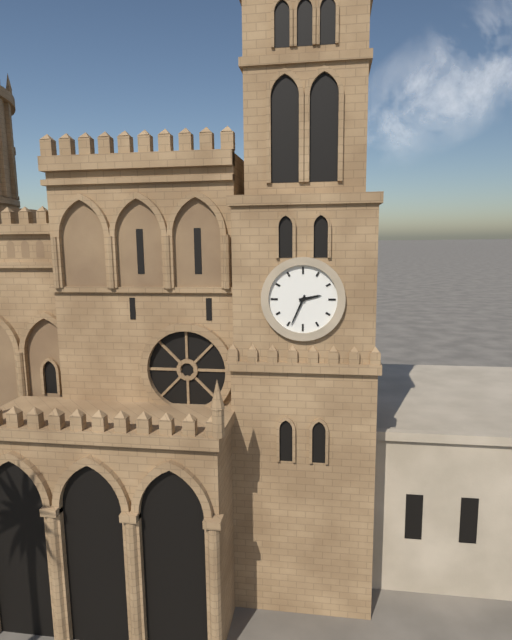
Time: {"hour": 2, "minute": 34}
